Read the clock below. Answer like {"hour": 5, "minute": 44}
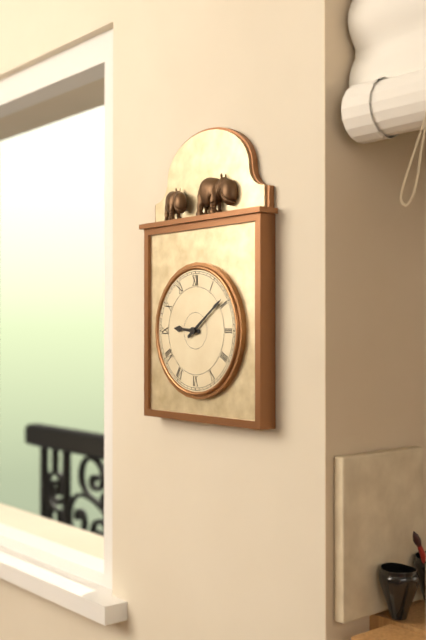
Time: {"hour": 9, "minute": 9}
